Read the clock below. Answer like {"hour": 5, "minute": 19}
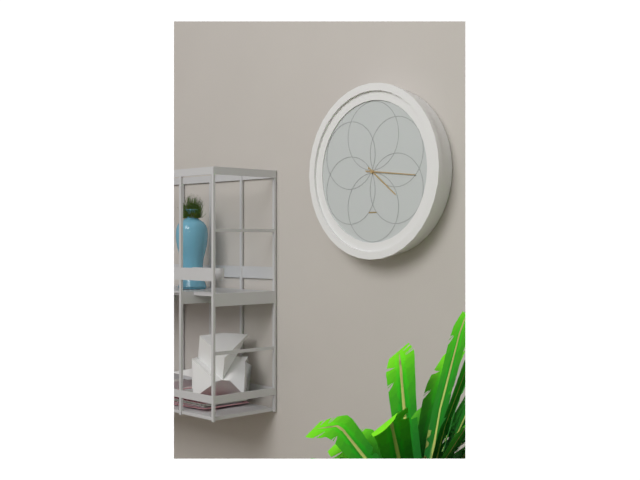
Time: {"hour": 4, "minute": 16}
